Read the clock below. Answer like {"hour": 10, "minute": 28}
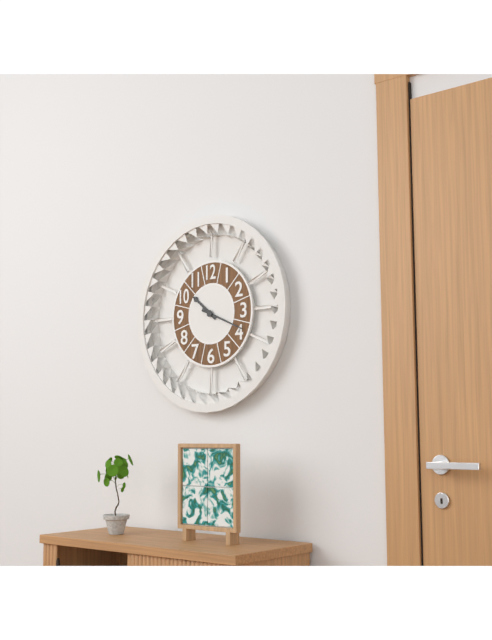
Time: {"hour": 10, "minute": 19}
